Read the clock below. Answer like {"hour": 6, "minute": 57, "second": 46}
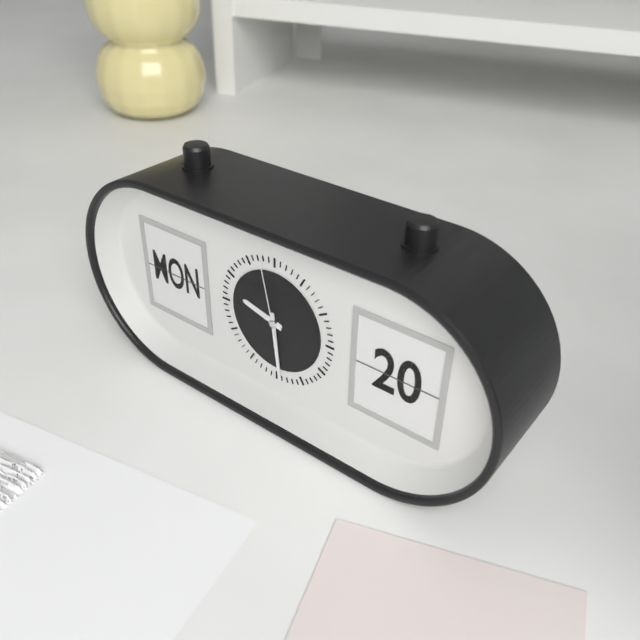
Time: {"hour": 9, "minute": 29, "second": 58}
